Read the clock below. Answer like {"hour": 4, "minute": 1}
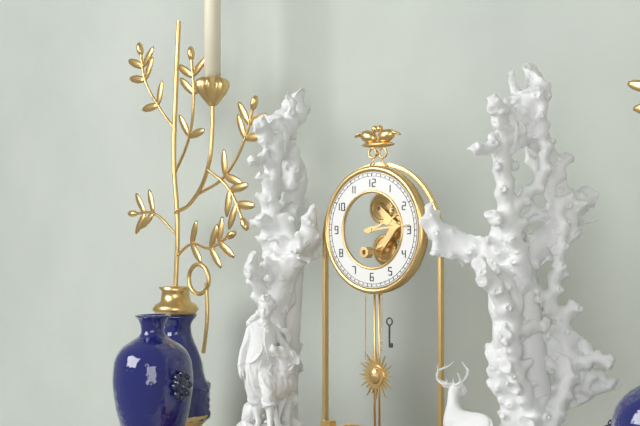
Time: {"hour": 2, "minute": 14}
